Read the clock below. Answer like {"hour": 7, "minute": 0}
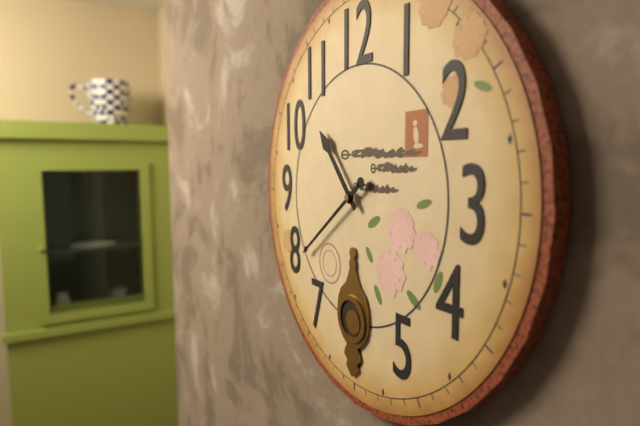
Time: {"hour": 10, "minute": 39}
